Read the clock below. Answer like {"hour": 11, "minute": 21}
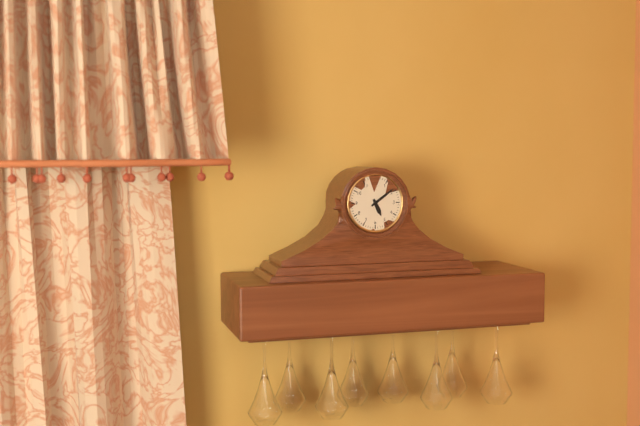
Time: {"hour": 5, "minute": 9}
